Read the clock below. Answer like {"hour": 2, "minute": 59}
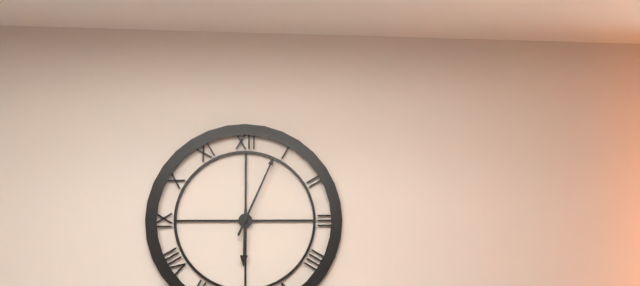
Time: {"hour": 6, "minute": 4}
